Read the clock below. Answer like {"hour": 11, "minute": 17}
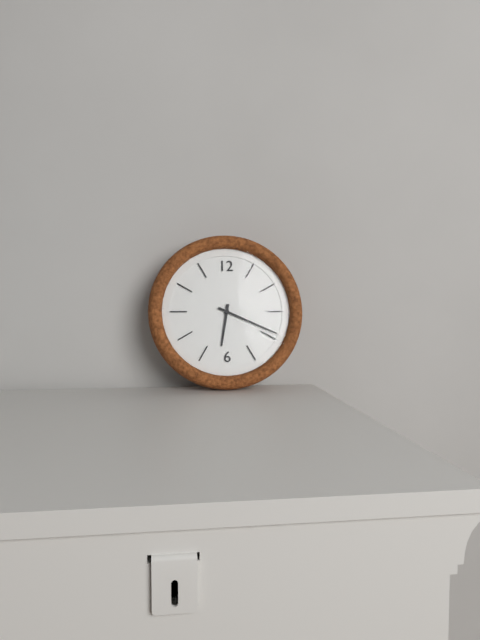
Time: {"hour": 6, "minute": 19}
